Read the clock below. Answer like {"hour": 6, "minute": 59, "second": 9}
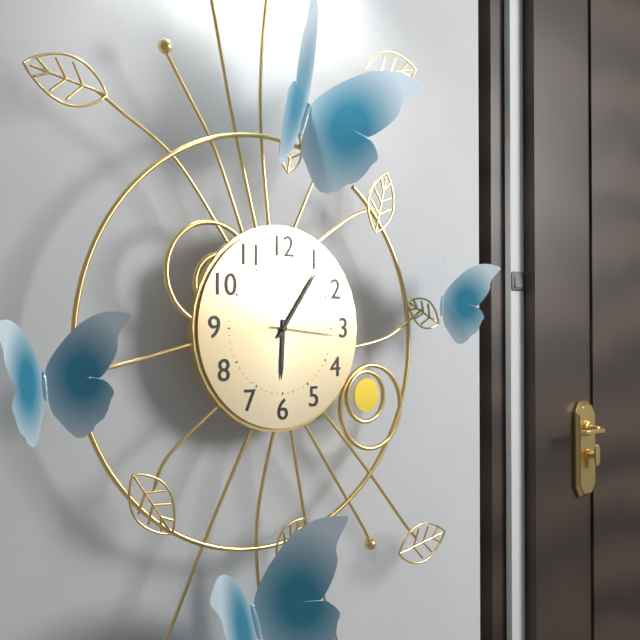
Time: {"hour": 6, "minute": 6, "second": 16}
